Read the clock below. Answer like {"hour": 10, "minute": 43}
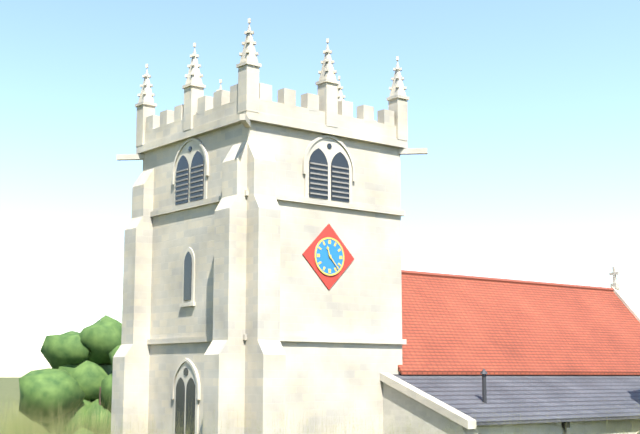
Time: {"hour": 11, "minute": 23}
